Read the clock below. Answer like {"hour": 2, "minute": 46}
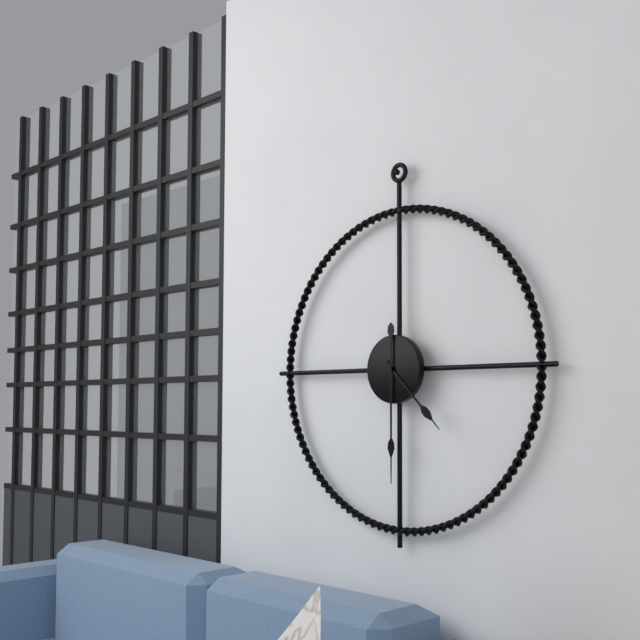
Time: {"hour": 4, "minute": 30}
